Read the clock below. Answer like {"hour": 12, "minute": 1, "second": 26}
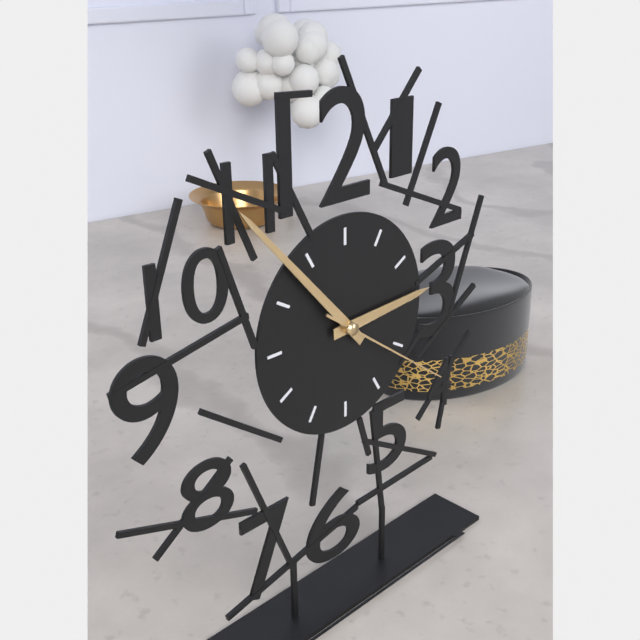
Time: {"hour": 2, "minute": 53, "second": 21}
